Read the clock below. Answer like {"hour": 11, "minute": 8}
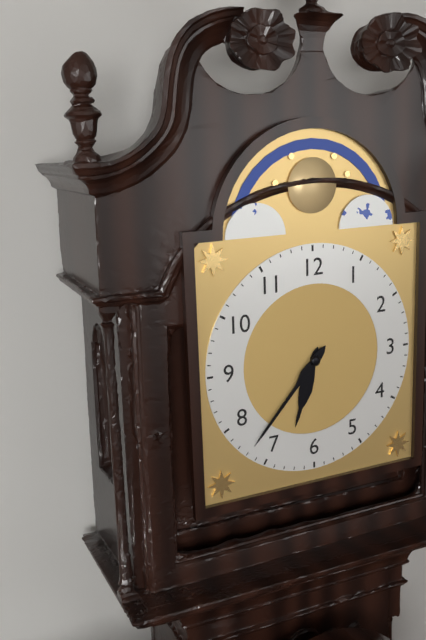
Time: {"hour": 6, "minute": 37}
